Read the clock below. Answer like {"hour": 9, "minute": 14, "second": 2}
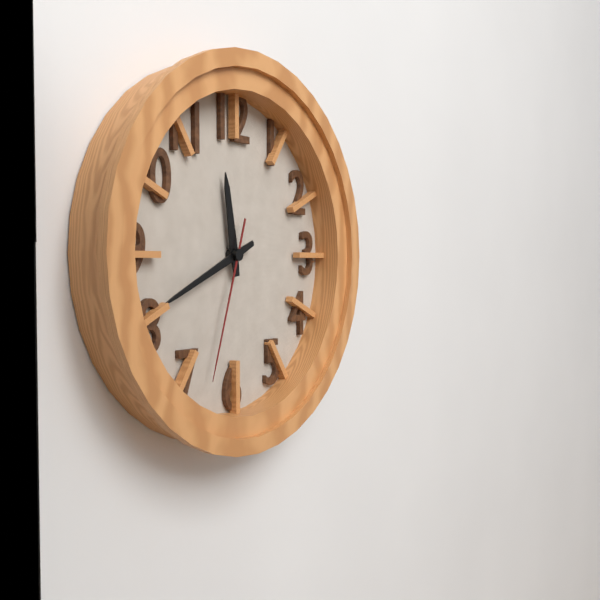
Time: {"hour": 11, "minute": 41, "second": 33}
